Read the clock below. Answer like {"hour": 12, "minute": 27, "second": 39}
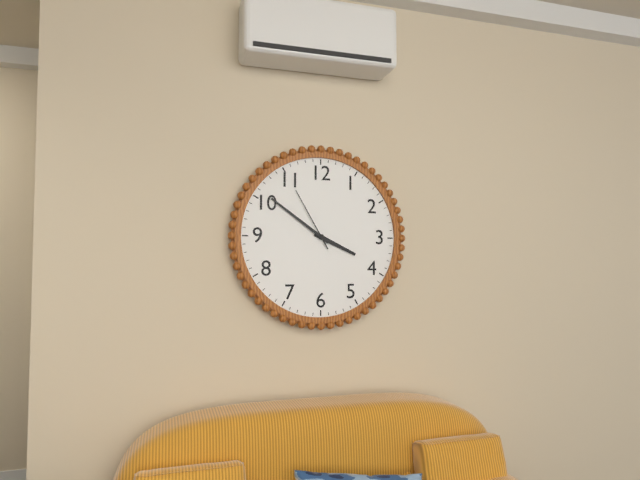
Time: {"hour": 3, "minute": 51, "second": 55}
